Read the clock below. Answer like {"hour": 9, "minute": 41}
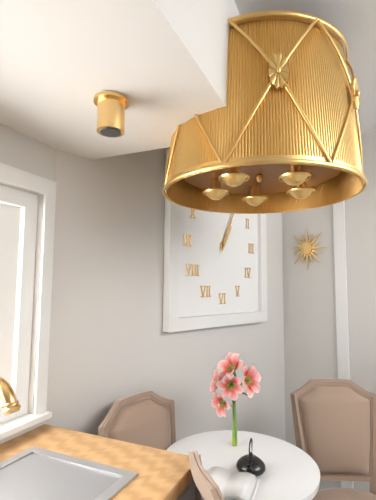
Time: {"hour": 1, "minute": 4}
